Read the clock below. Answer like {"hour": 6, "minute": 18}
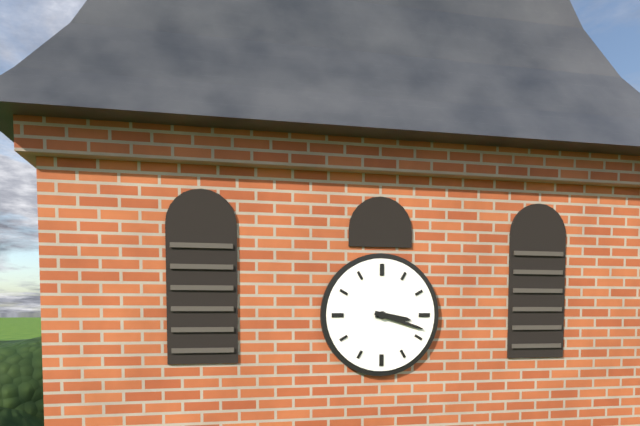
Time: {"hour": 3, "minute": 18}
